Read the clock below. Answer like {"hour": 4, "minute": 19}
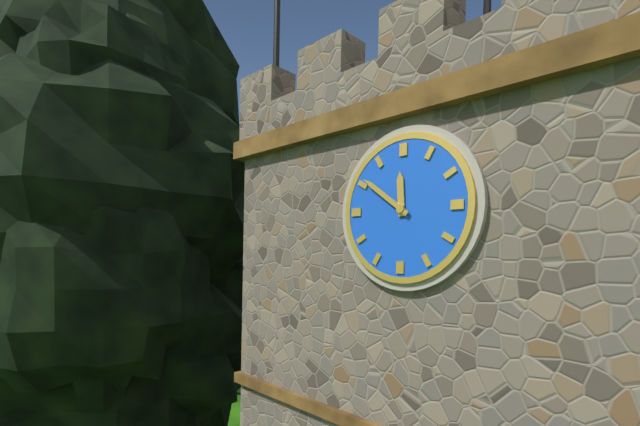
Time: {"hour": 11, "minute": 51}
